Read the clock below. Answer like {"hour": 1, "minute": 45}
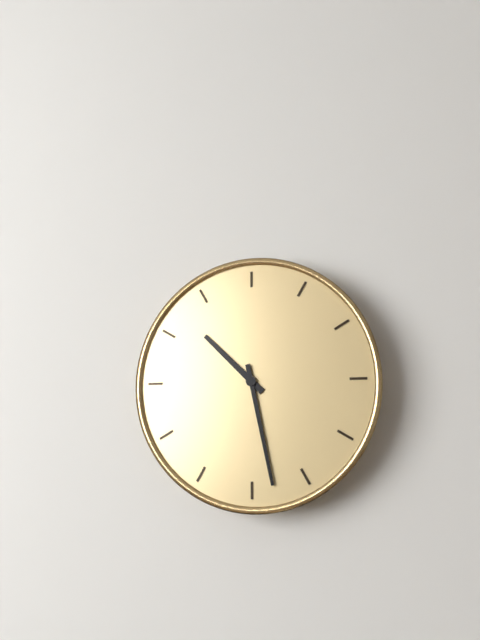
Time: {"hour": 10, "minute": 28}
